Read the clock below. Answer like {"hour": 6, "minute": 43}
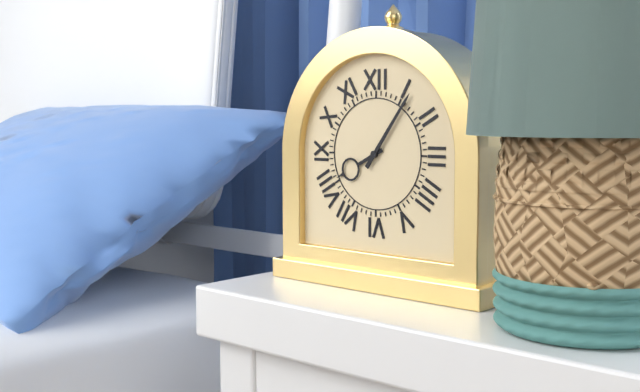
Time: {"hour": 8, "minute": 6}
